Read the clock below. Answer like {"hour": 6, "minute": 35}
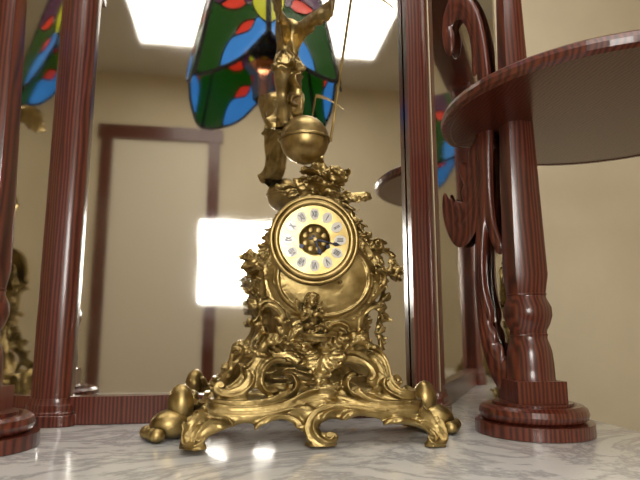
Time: {"hour": 5, "minute": 17}
